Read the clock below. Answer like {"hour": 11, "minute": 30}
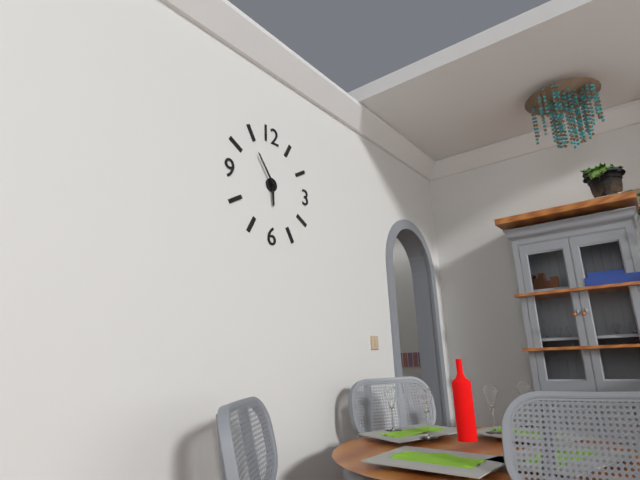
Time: {"hour": 5, "minute": 54}
